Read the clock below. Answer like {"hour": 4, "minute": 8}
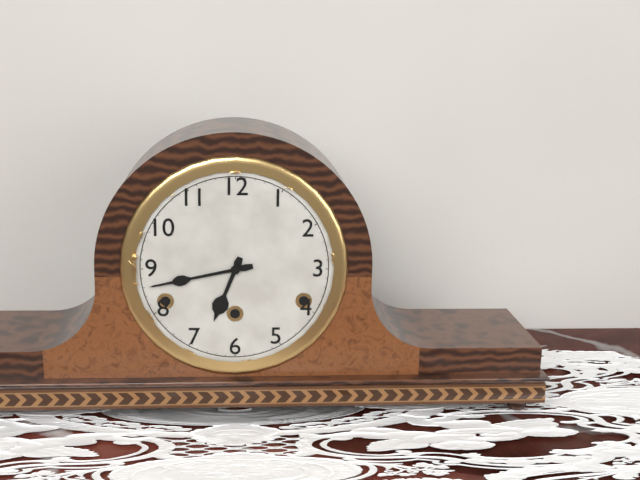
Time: {"hour": 6, "minute": 43}
